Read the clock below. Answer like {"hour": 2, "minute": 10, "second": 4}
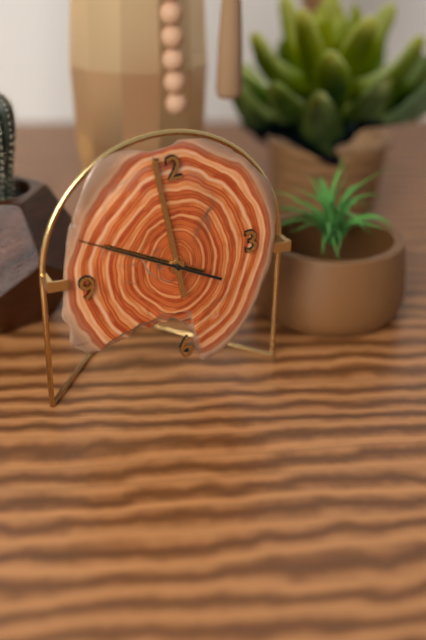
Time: {"hour": 9, "minute": 59, "second": 50}
